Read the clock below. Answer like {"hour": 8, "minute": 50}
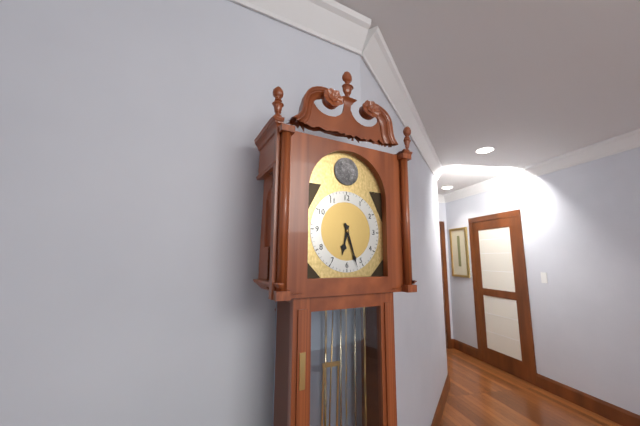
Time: {"hour": 6, "minute": 27}
